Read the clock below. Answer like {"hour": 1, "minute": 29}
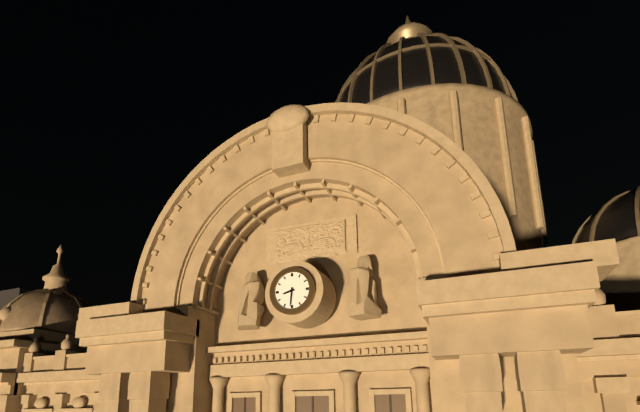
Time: {"hour": 8, "minute": 31}
